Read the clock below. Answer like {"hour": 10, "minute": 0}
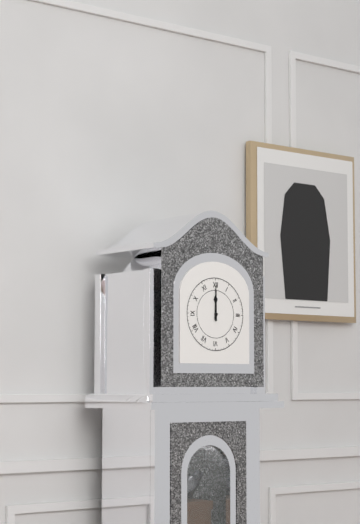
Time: {"hour": 12, "minute": 0}
